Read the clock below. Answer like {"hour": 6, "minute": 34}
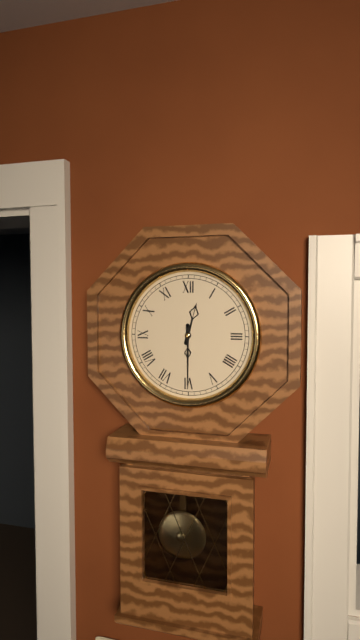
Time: {"hour": 12, "minute": 30}
